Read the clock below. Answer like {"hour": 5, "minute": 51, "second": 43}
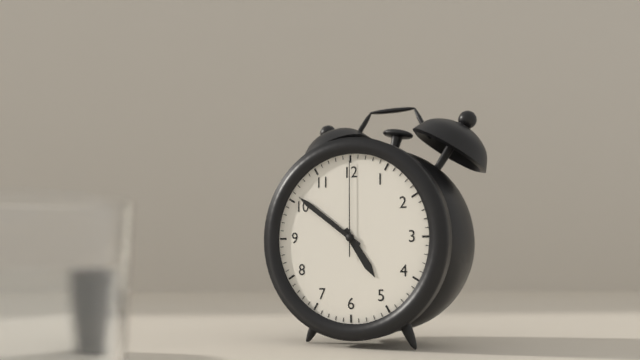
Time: {"hour": 4, "minute": 51, "second": 0}
